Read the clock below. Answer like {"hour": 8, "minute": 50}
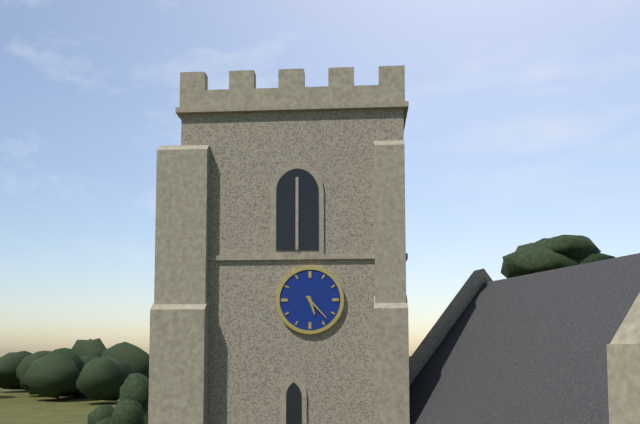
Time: {"hour": 5, "minute": 23}
